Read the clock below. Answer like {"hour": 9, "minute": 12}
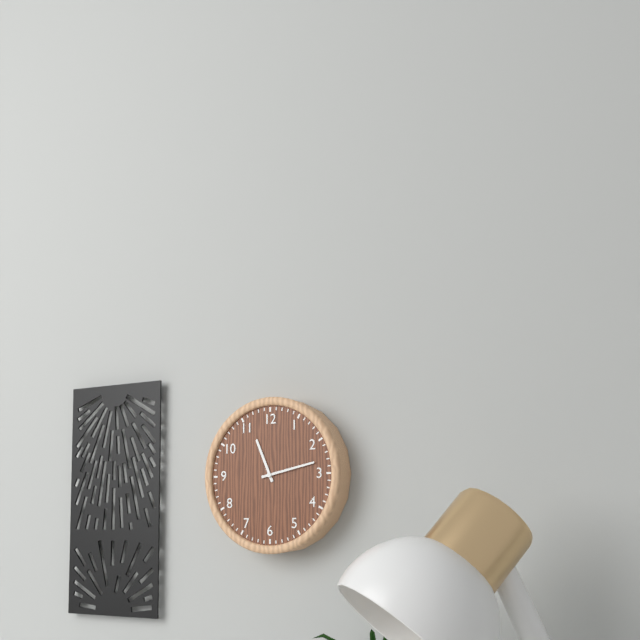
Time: {"hour": 11, "minute": 13}
